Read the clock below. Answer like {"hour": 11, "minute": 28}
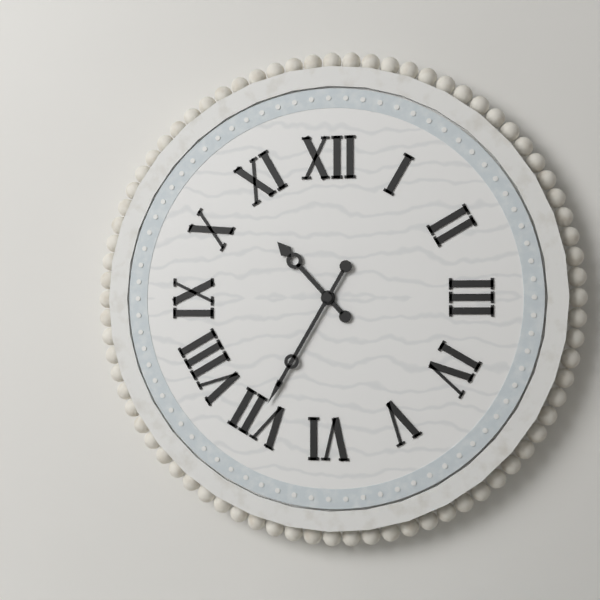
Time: {"hour": 10, "minute": 35}
